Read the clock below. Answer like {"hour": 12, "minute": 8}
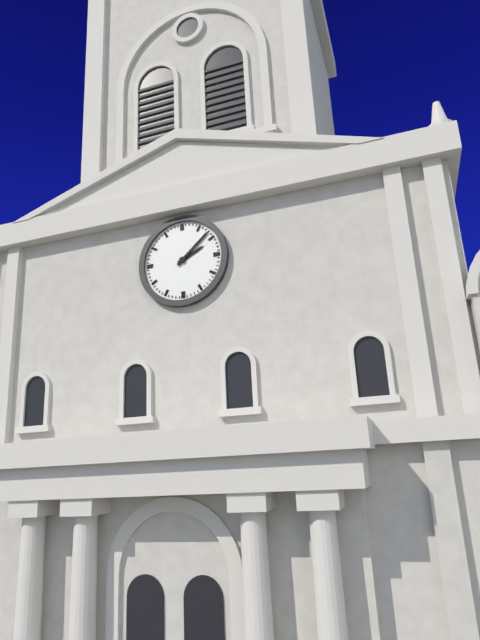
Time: {"hour": 2, "minute": 8}
